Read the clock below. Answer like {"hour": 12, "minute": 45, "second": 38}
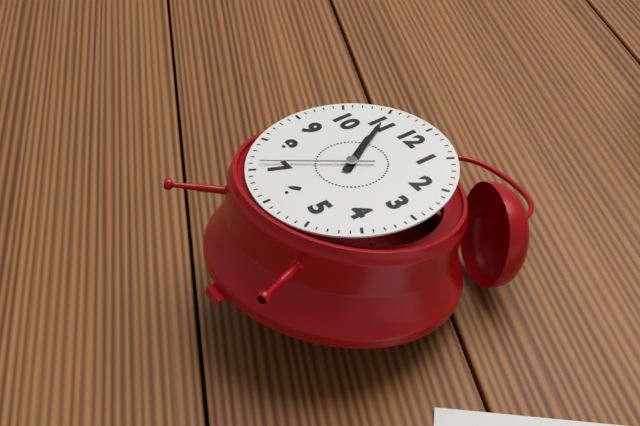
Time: {"hour": 10, "minute": 55, "second": 36}
